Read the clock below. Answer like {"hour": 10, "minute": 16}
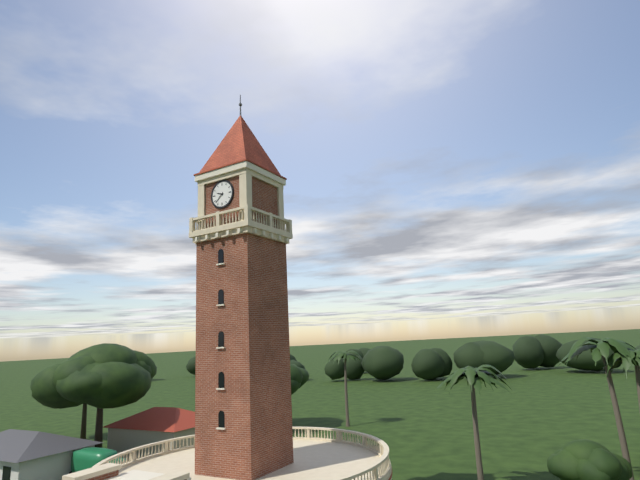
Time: {"hour": 9, "minute": 38}
